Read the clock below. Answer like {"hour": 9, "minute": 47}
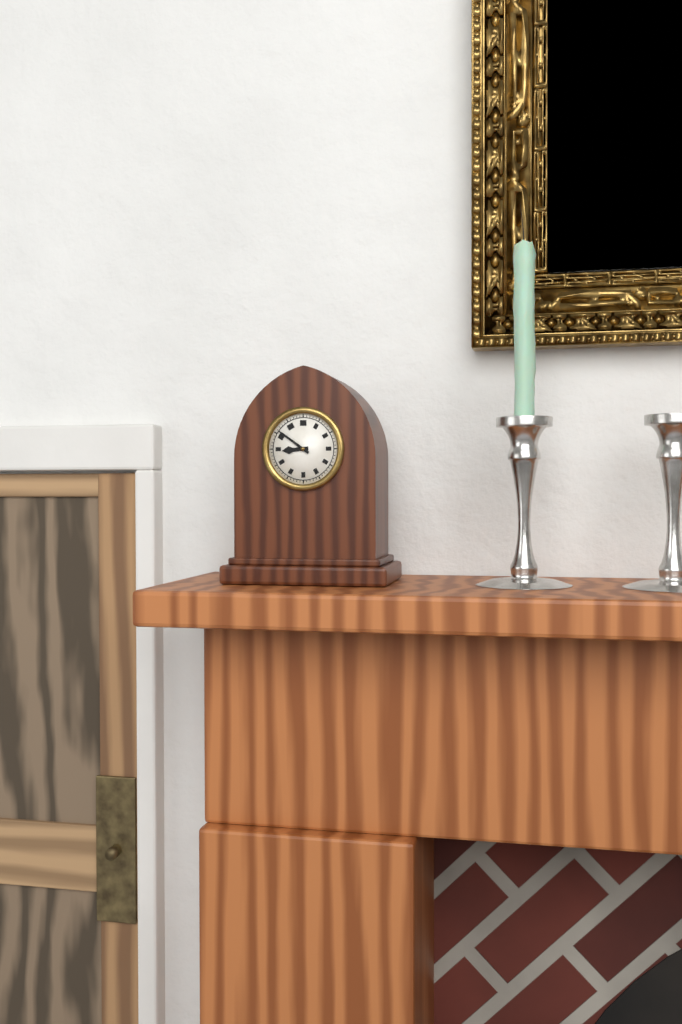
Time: {"hour": 8, "minute": 51}
